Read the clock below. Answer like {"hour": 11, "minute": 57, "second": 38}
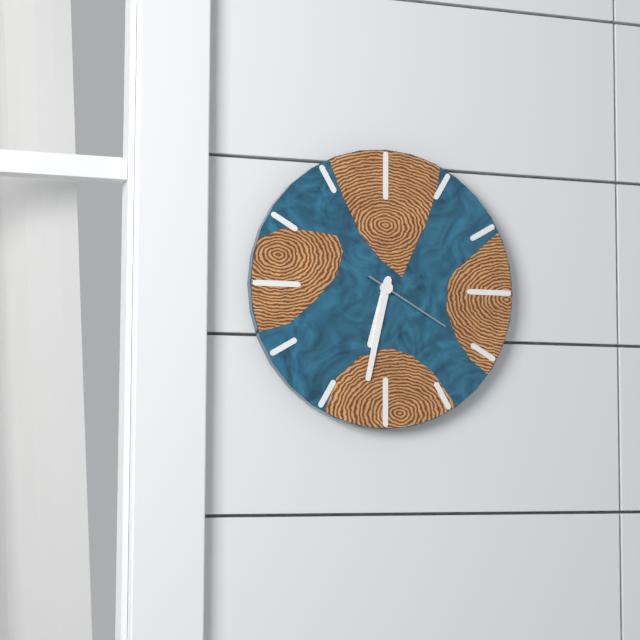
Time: {"hour": 6, "minute": 32, "second": 20}
